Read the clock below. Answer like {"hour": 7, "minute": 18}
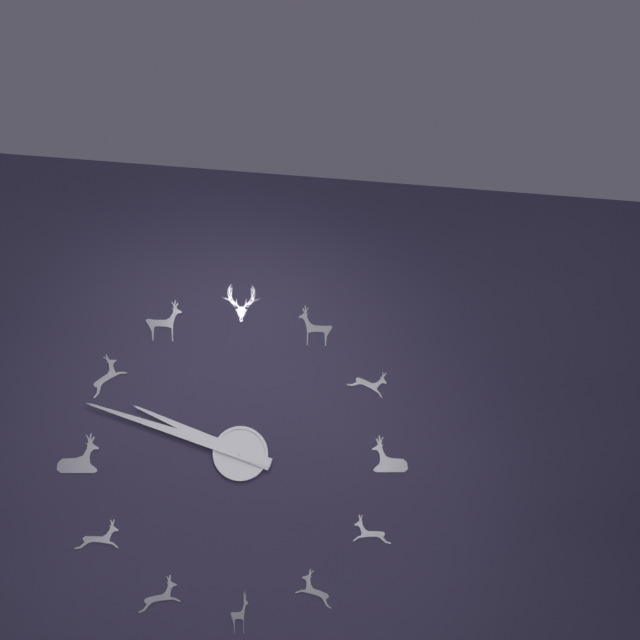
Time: {"hour": 9, "minute": 48}
